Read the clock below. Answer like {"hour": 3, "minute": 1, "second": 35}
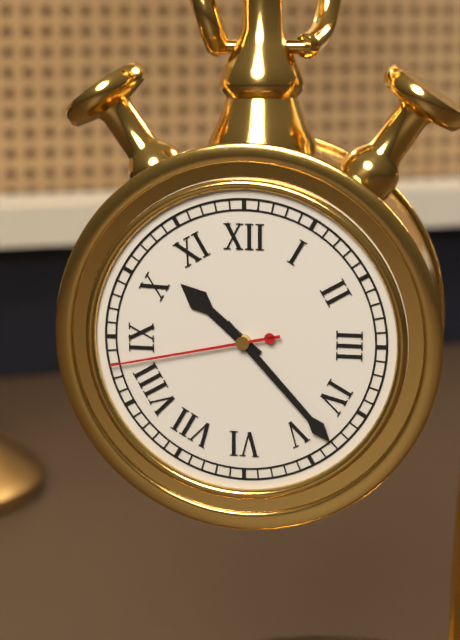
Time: {"hour": 10, "minute": 23, "second": 43}
